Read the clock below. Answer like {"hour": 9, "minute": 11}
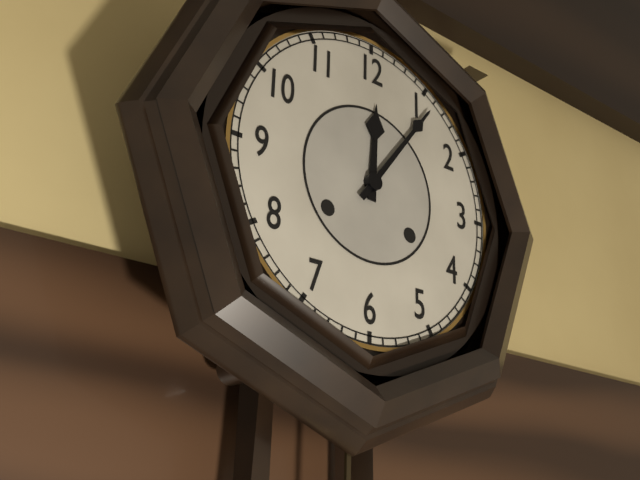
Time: {"hour": 12, "minute": 6}
